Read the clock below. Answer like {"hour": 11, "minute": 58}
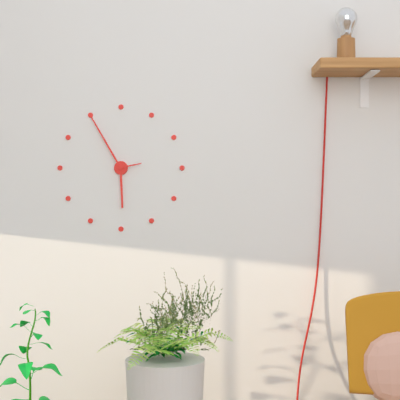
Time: {"hour": 5, "minute": 55}
